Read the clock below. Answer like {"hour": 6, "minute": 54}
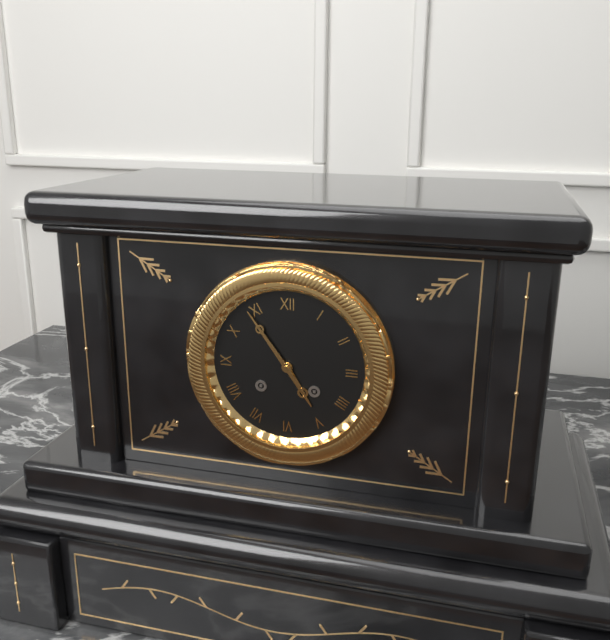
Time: {"hour": 4, "minute": 54}
